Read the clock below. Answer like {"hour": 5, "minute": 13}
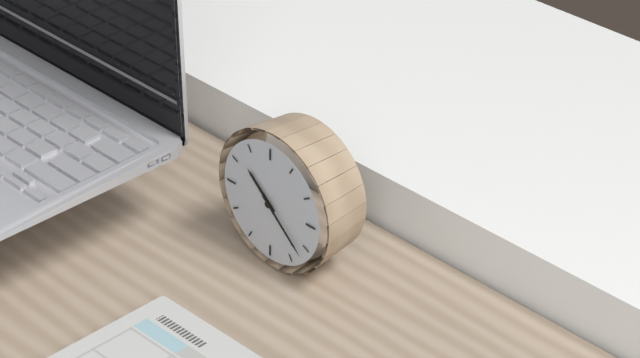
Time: {"hour": 10, "minute": 22}
